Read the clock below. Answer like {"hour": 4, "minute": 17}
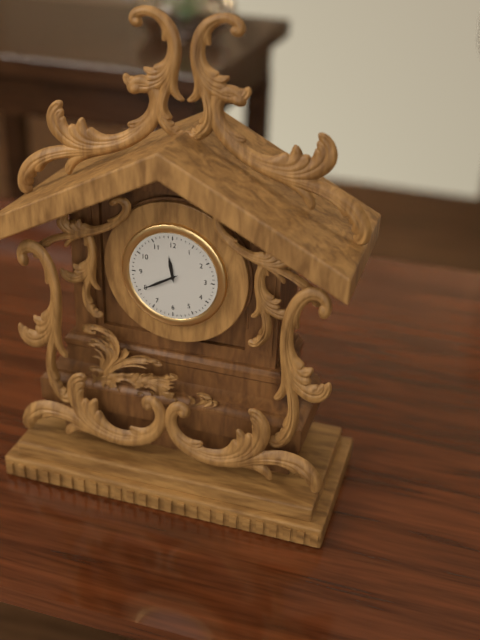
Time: {"hour": 11, "minute": 40}
